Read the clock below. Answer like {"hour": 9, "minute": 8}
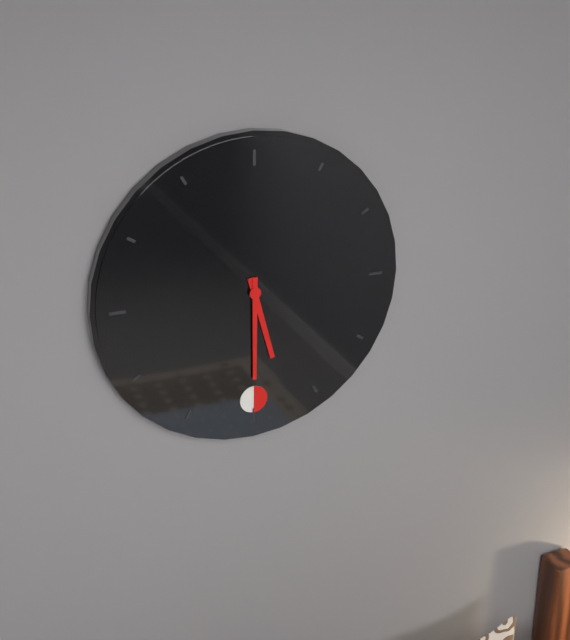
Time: {"hour": 5, "minute": 30}
